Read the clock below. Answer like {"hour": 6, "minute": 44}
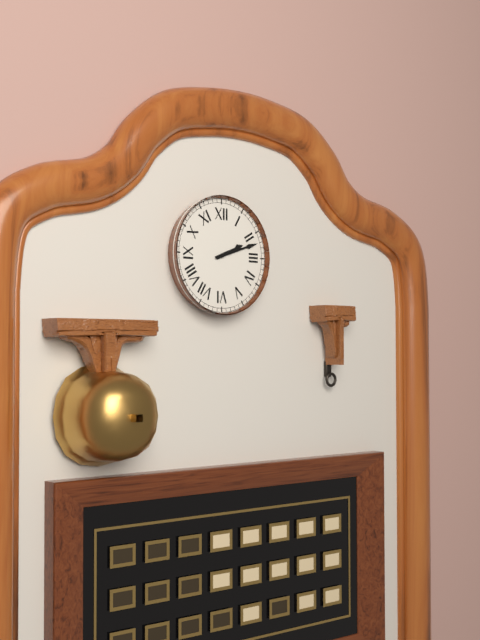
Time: {"hour": 2, "minute": 12}
